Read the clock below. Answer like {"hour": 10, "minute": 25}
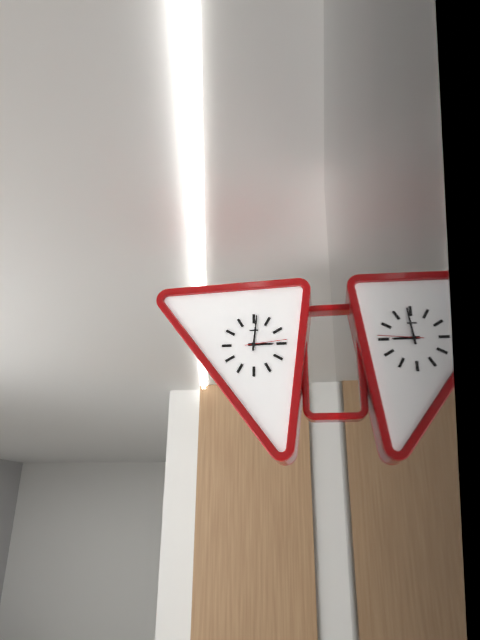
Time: {"hour": 3, "minute": 1}
